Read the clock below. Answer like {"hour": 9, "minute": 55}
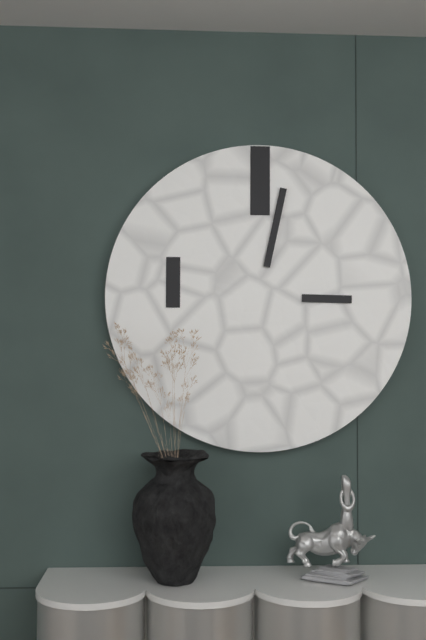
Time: {"hour": 3, "minute": 2}
